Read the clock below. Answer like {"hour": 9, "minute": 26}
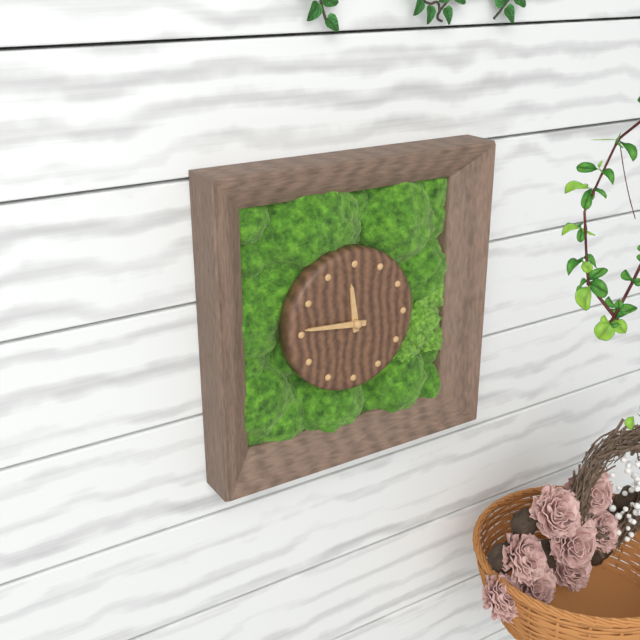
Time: {"hour": 11, "minute": 46}
